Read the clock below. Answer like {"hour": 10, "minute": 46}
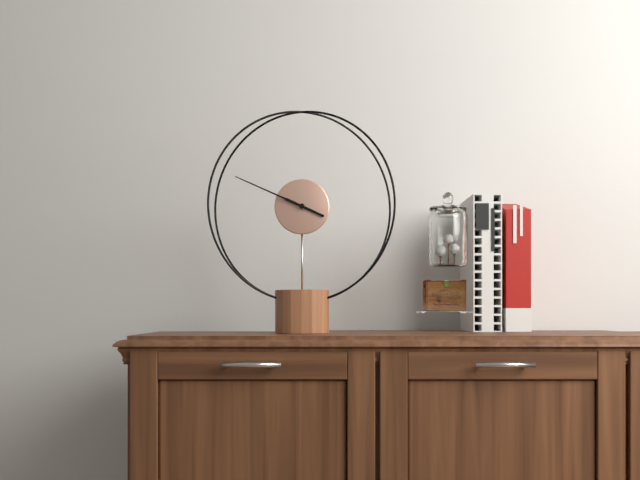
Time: {"hour": 3, "minute": 49}
